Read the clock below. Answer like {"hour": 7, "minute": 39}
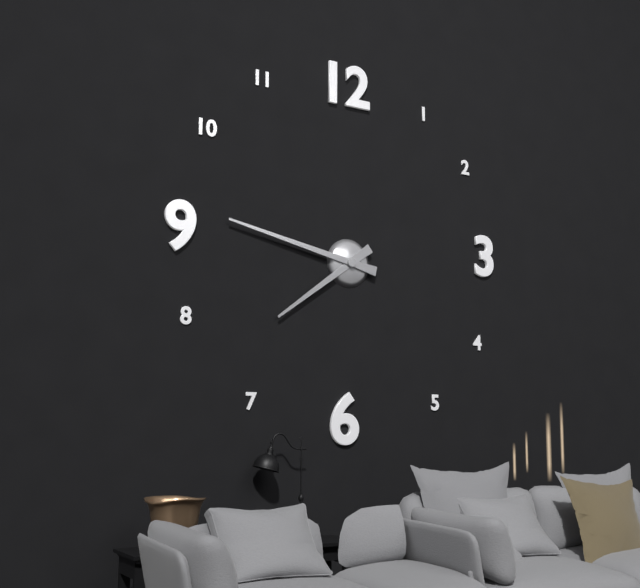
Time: {"hour": 7, "minute": 47}
